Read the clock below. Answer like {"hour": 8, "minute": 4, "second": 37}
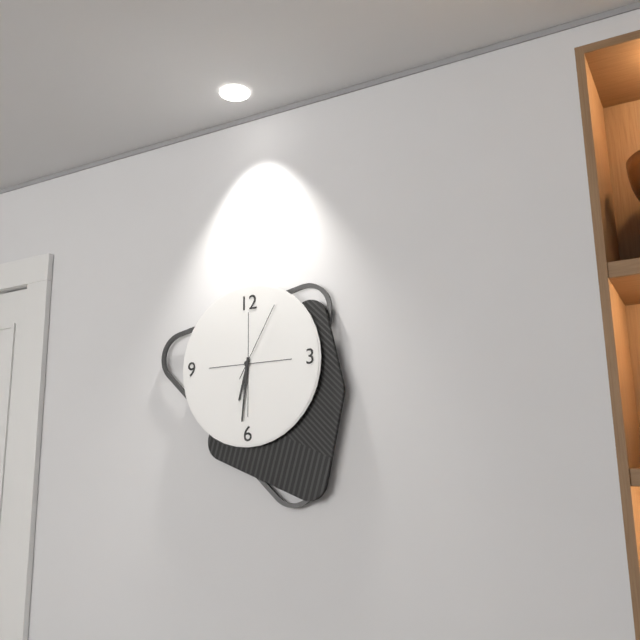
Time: {"hour": 6, "minute": 31, "second": 5}
